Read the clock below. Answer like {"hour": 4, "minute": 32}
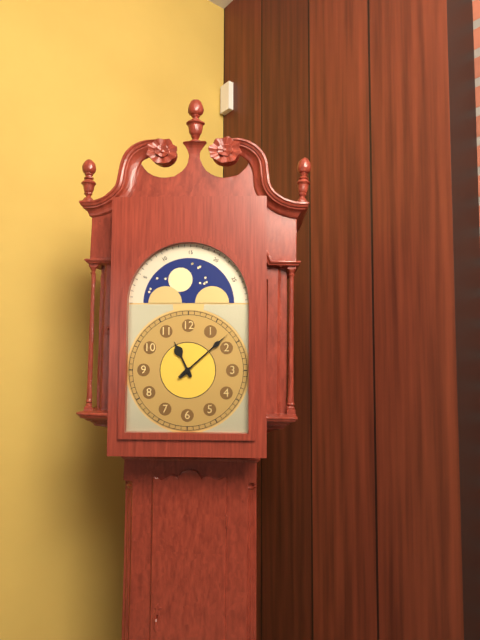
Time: {"hour": 11, "minute": 8}
